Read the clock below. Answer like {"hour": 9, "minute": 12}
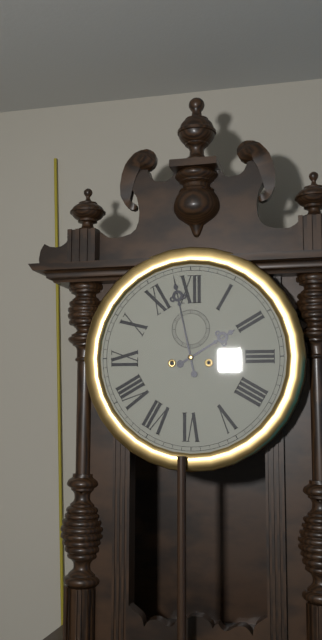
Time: {"hour": 1, "minute": 58}
